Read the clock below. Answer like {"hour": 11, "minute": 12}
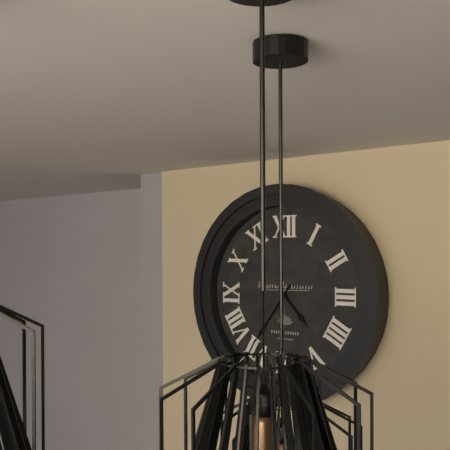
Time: {"hour": 4, "minute": 36}
